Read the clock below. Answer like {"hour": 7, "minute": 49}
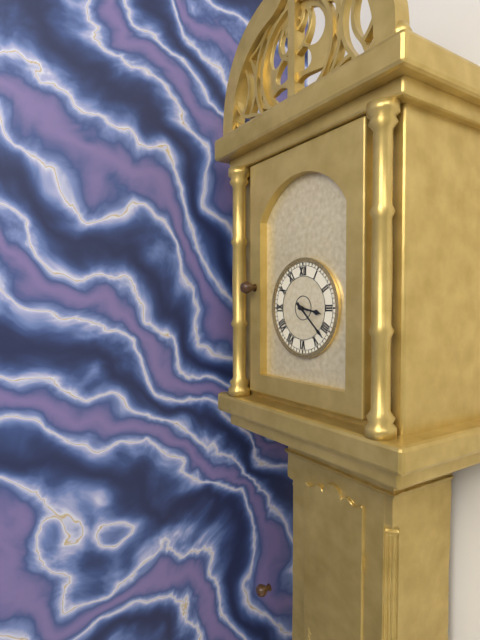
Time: {"hour": 3, "minute": 22}
